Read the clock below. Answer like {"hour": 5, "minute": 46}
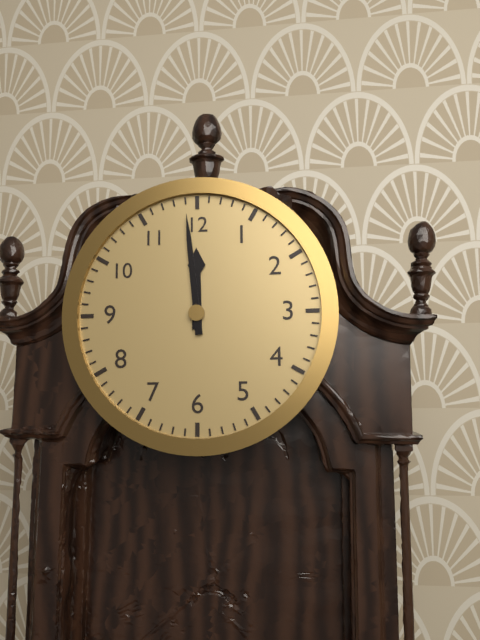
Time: {"hour": 11, "minute": 59}
